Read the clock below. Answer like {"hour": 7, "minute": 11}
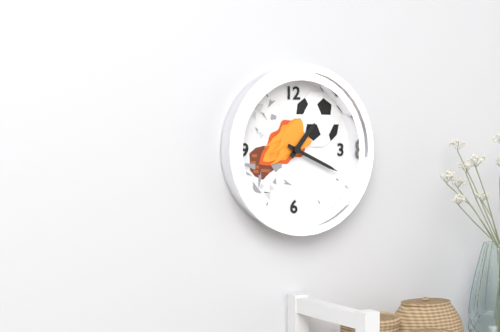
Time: {"hour": 1, "minute": 19}
